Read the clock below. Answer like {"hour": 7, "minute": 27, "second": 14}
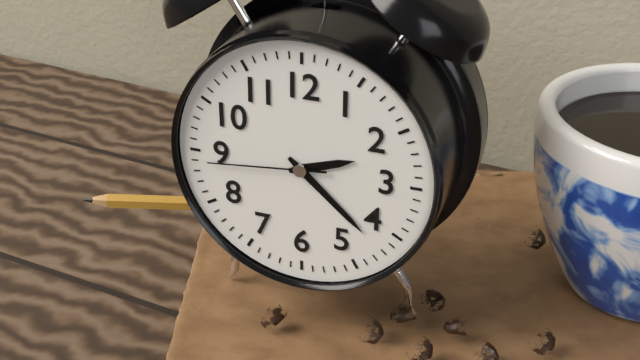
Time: {"hour": 2, "minute": 22, "second": 44}
